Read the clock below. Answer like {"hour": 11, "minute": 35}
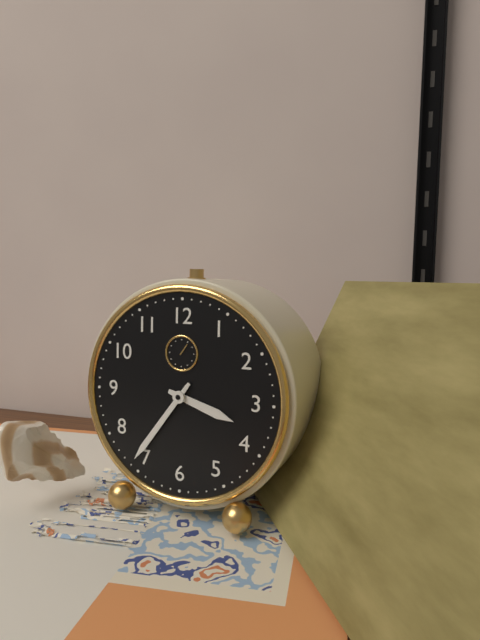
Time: {"hour": 3, "minute": 36}
